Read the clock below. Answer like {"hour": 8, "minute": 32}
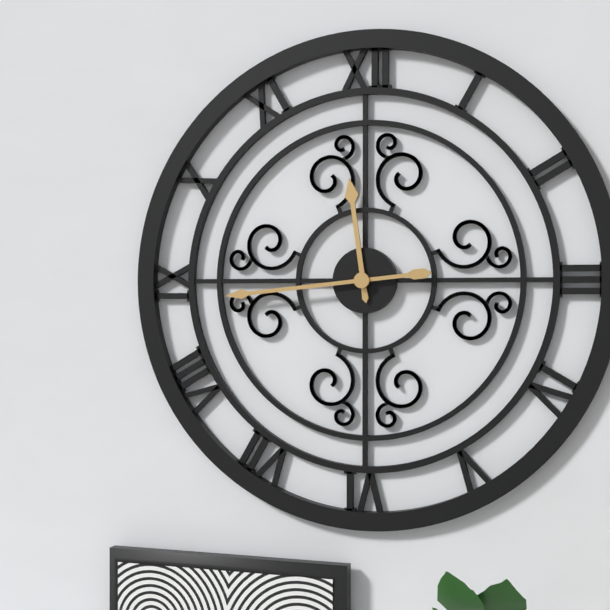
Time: {"hour": 11, "minute": 44}
